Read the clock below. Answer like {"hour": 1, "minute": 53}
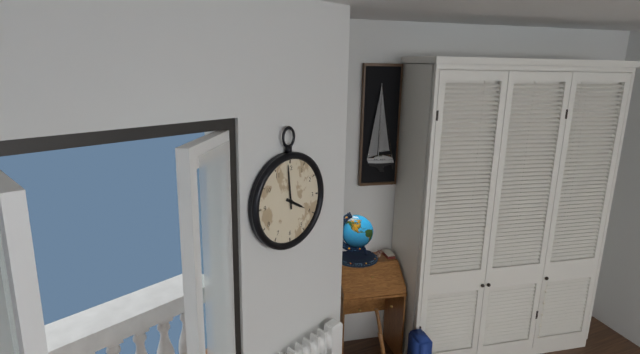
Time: {"hour": 3, "minute": 59}
